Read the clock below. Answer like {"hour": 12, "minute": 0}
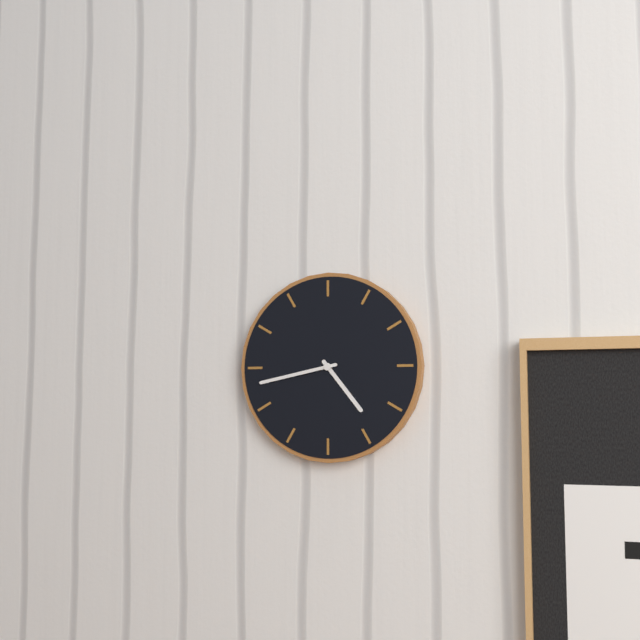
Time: {"hour": 4, "minute": 43}
